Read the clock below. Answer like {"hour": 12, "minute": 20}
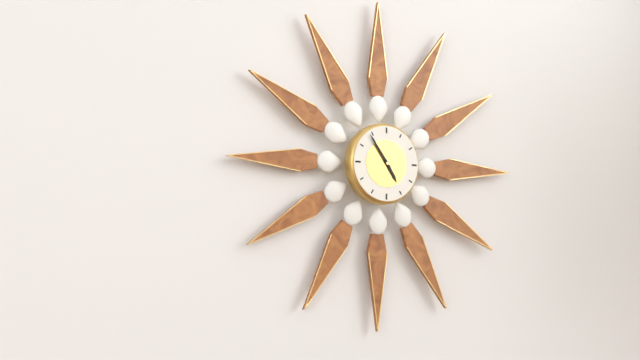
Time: {"hour": 4, "minute": 54}
